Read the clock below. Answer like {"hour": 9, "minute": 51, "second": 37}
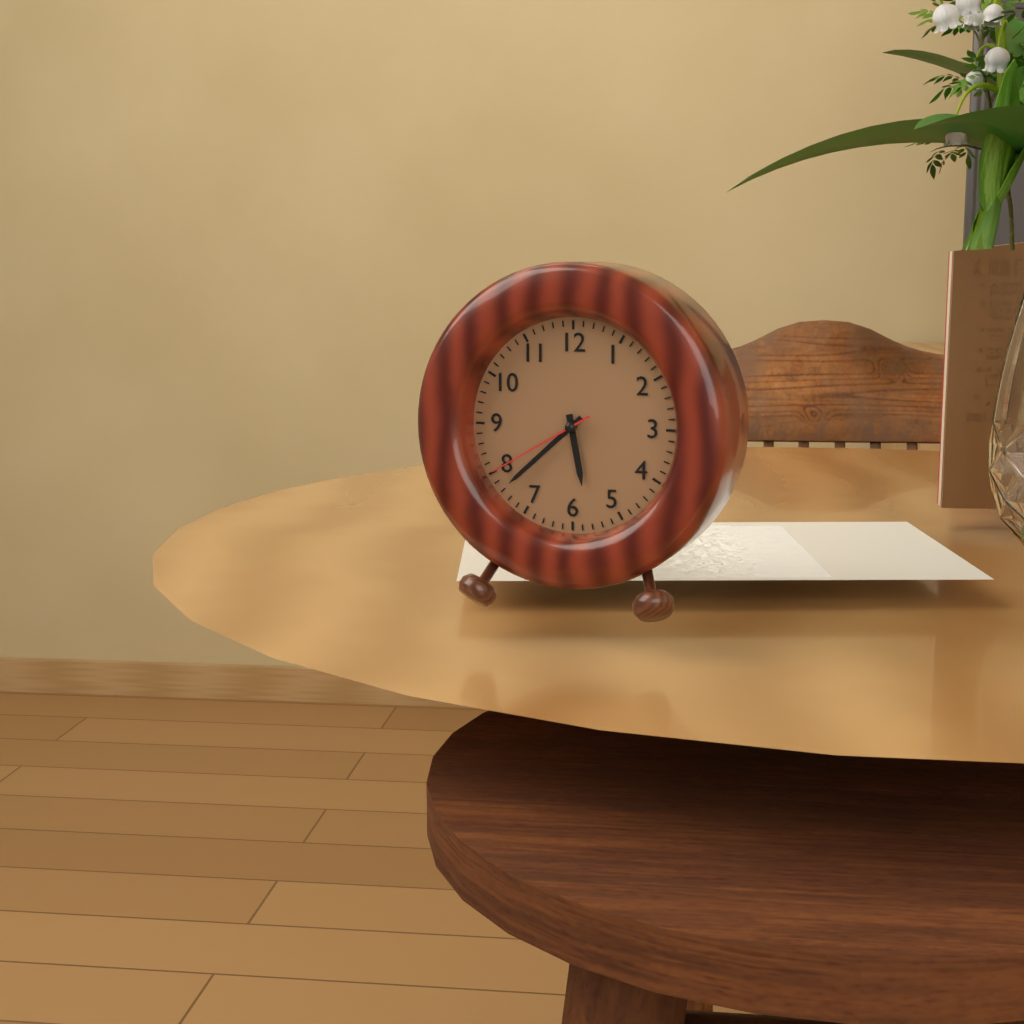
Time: {"hour": 5, "minute": 38, "second": 40}
